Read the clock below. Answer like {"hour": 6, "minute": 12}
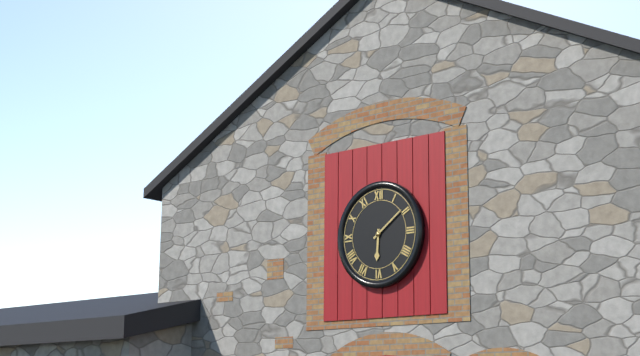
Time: {"hour": 6, "minute": 9}
